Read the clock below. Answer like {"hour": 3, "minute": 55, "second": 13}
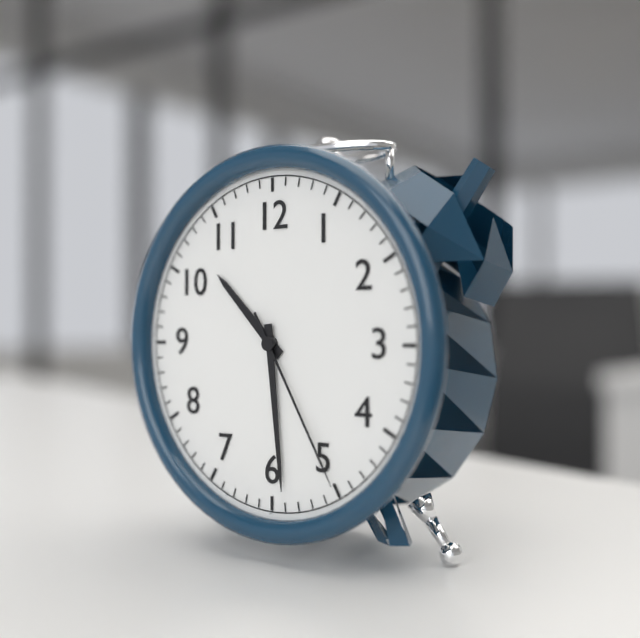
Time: {"hour": 10, "minute": 29, "second": 25}
